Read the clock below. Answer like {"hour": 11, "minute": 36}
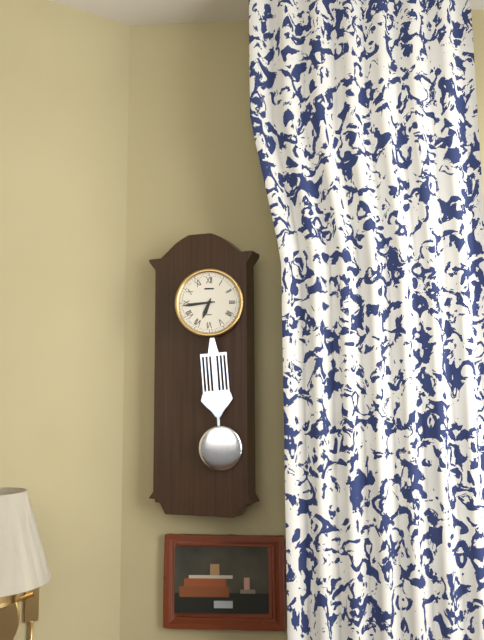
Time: {"hour": 6, "minute": 44}
